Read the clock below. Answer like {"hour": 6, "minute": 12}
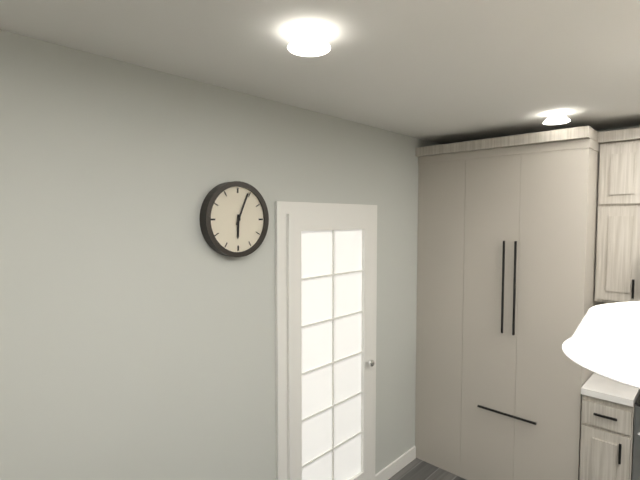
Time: {"hour": 6, "minute": 4}
